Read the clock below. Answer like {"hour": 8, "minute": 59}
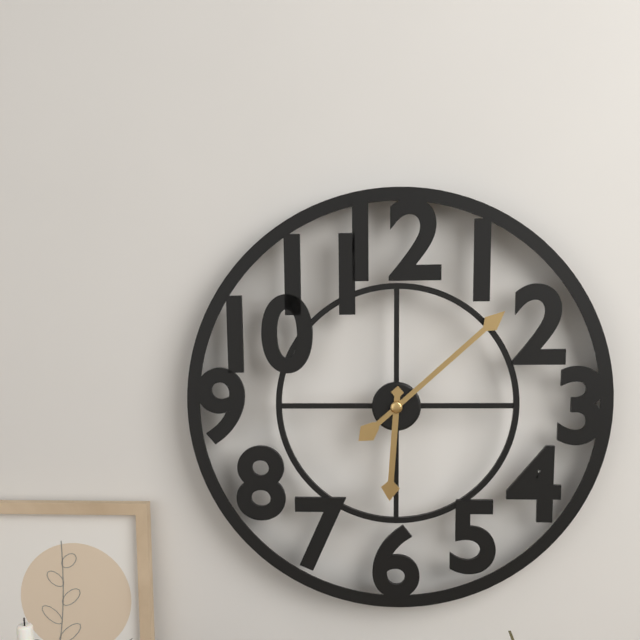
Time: {"hour": 6, "minute": 8}
